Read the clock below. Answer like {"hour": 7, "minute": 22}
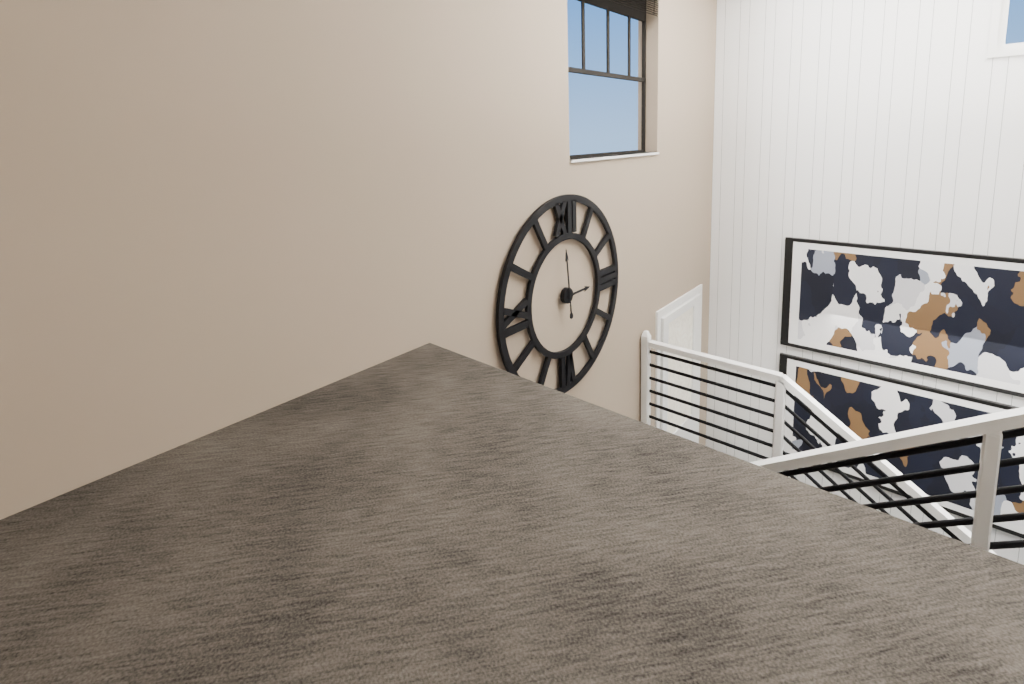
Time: {"hour": 2, "minute": 59}
